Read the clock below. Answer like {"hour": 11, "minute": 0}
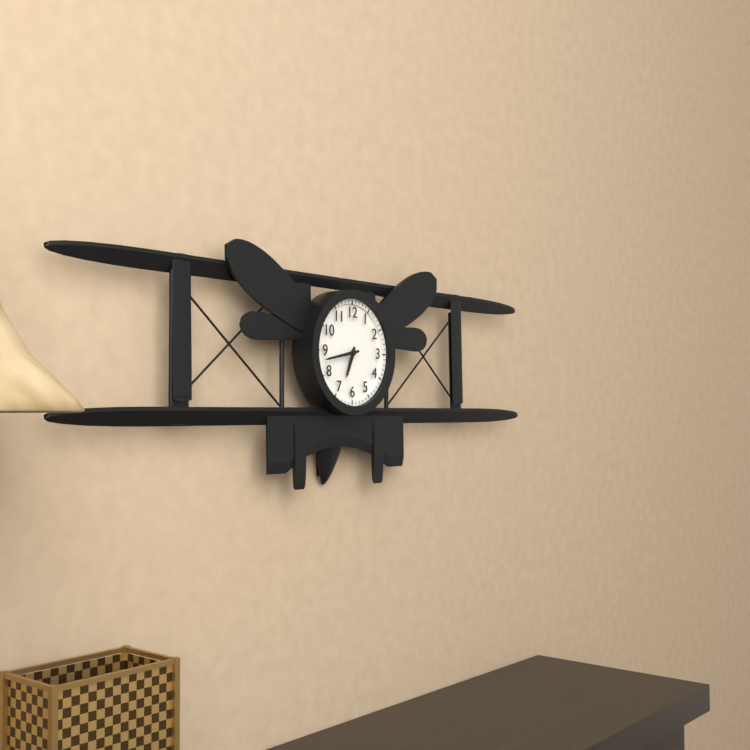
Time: {"hour": 6, "minute": 43}
